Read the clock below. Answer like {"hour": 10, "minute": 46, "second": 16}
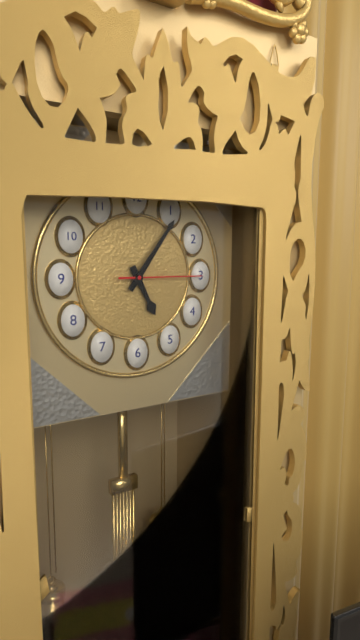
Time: {"hour": 5, "minute": 6, "second": 15}
